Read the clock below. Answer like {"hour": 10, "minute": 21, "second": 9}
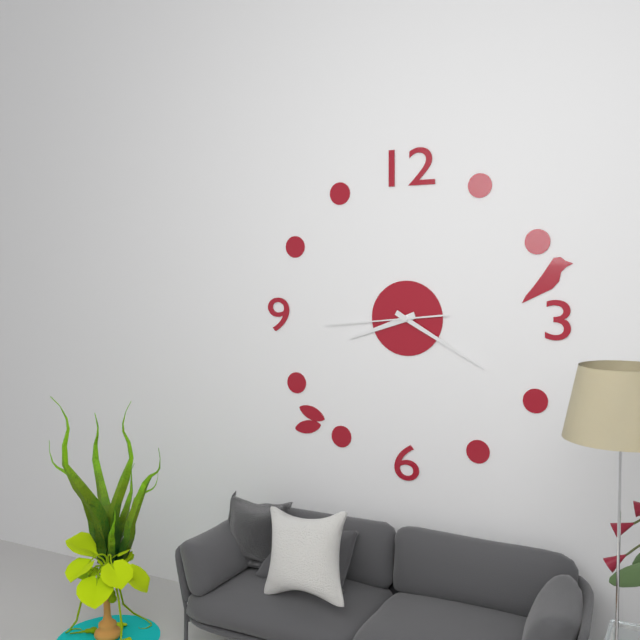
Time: {"hour": 8, "minute": 20, "second": 44}
